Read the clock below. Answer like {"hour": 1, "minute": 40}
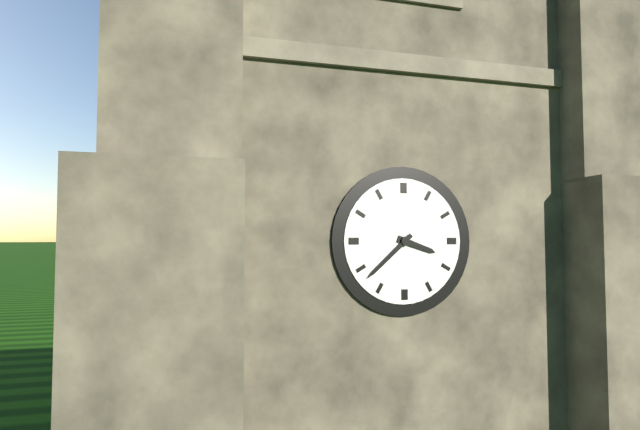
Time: {"hour": 3, "minute": 38}
